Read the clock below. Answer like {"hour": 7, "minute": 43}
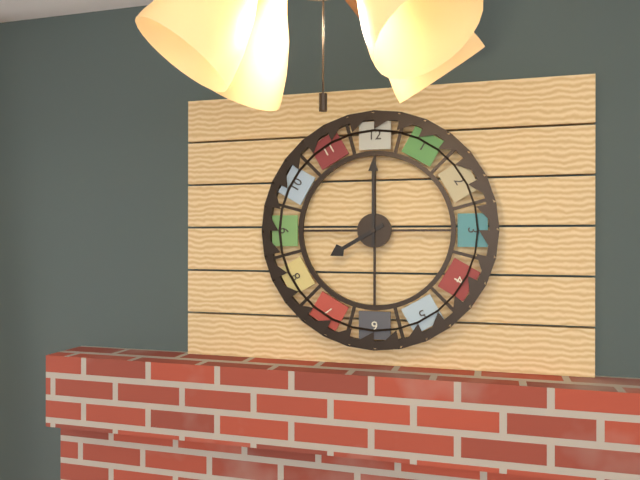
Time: {"hour": 8, "minute": 0}
